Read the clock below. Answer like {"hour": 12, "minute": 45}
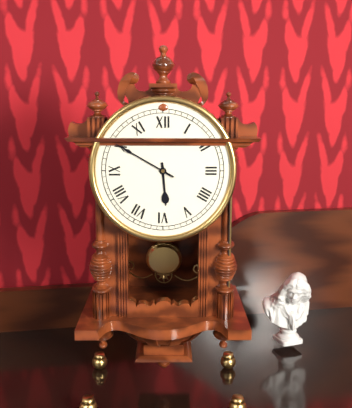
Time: {"hour": 5, "minute": 50}
